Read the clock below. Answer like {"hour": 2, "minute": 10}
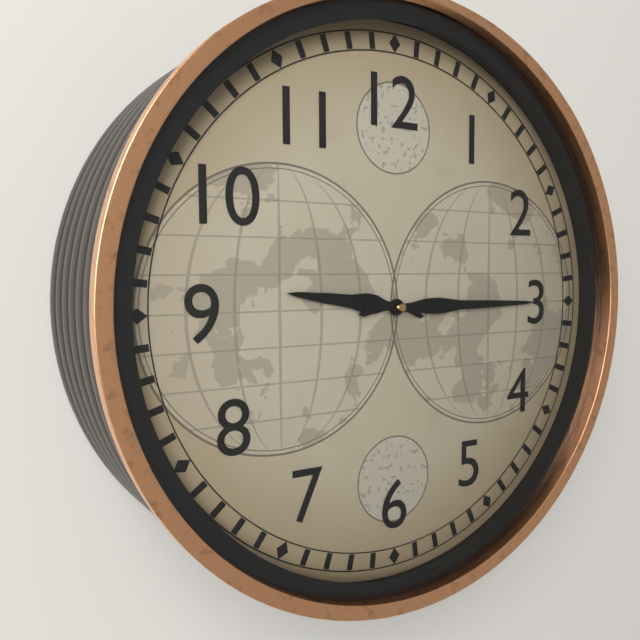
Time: {"hour": 9, "minute": 15}
